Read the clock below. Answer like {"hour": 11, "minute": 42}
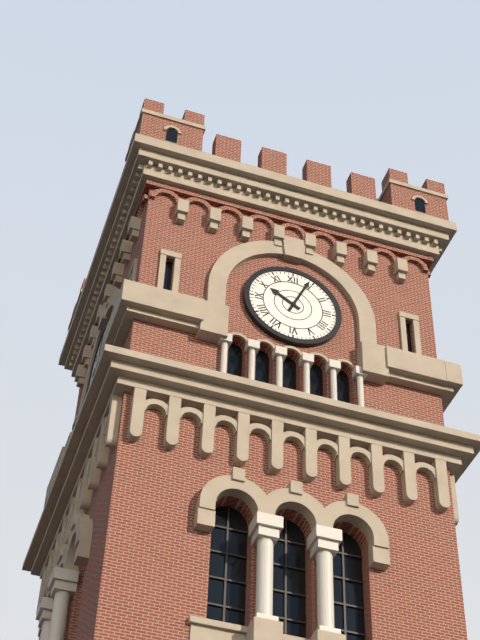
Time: {"hour": 10, "minute": 4}
